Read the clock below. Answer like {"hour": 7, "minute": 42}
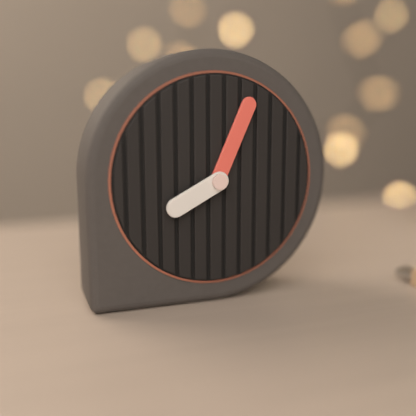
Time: {"hour": 8, "minute": 4}
